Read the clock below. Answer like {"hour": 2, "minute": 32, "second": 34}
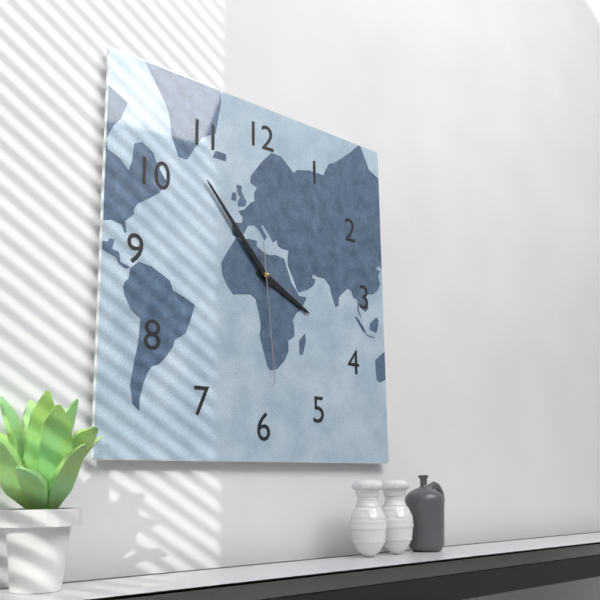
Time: {"hour": 3, "minute": 53, "second": 29}
